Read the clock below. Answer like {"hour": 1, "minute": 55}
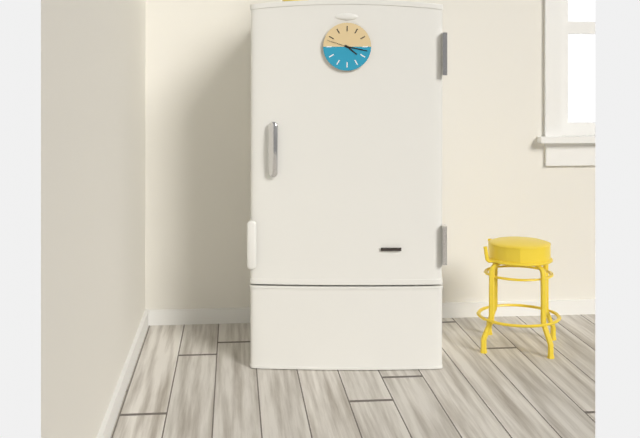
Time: {"hour": 4, "minute": 17}
